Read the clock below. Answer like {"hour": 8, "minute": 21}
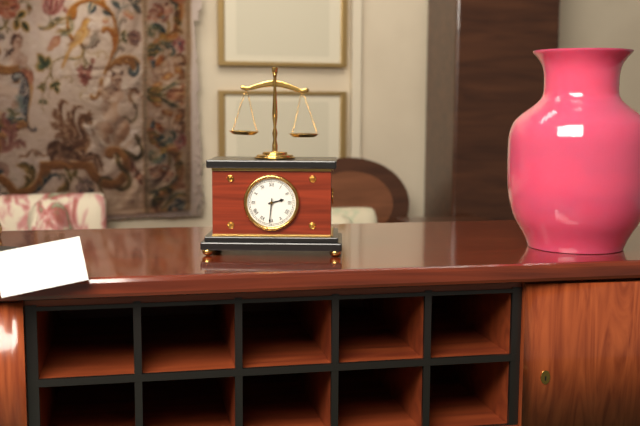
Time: {"hour": 2, "minute": 31}
